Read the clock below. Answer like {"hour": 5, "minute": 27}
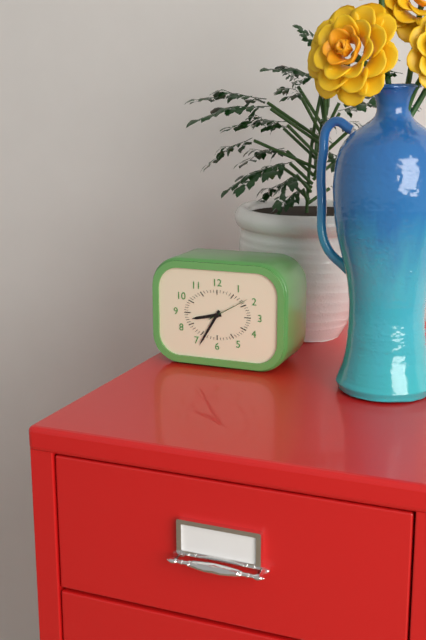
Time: {"hour": 8, "minute": 35}
